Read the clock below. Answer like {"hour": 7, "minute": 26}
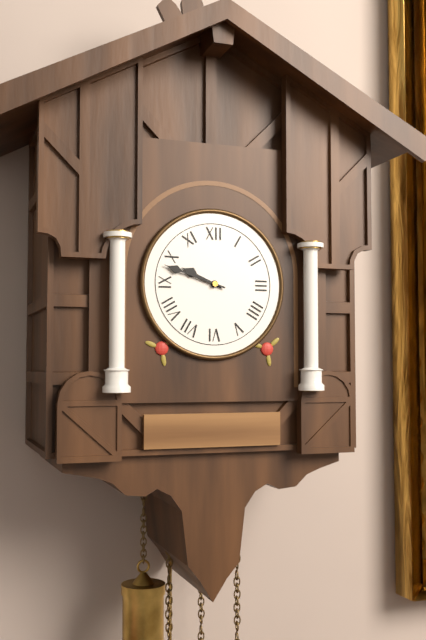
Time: {"hour": 9, "minute": 48}
